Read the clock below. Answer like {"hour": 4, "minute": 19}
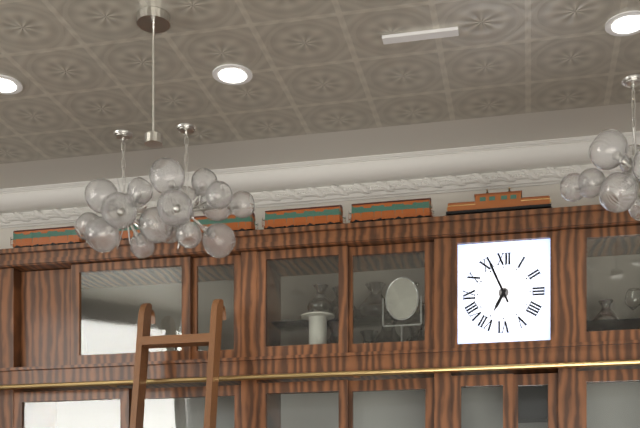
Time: {"hour": 6, "minute": 56}
